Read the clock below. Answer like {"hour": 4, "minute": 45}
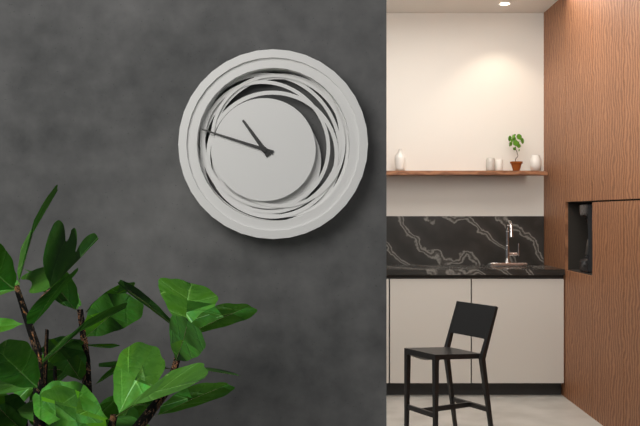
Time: {"hour": 10, "minute": 48}
